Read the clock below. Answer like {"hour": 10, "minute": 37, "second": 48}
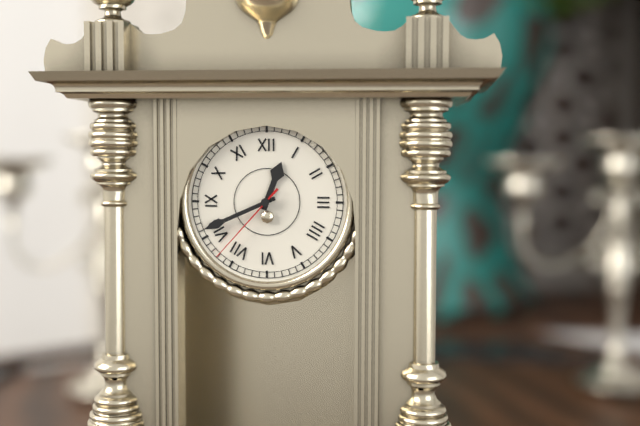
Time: {"hour": 12, "minute": 41, "second": 37}
